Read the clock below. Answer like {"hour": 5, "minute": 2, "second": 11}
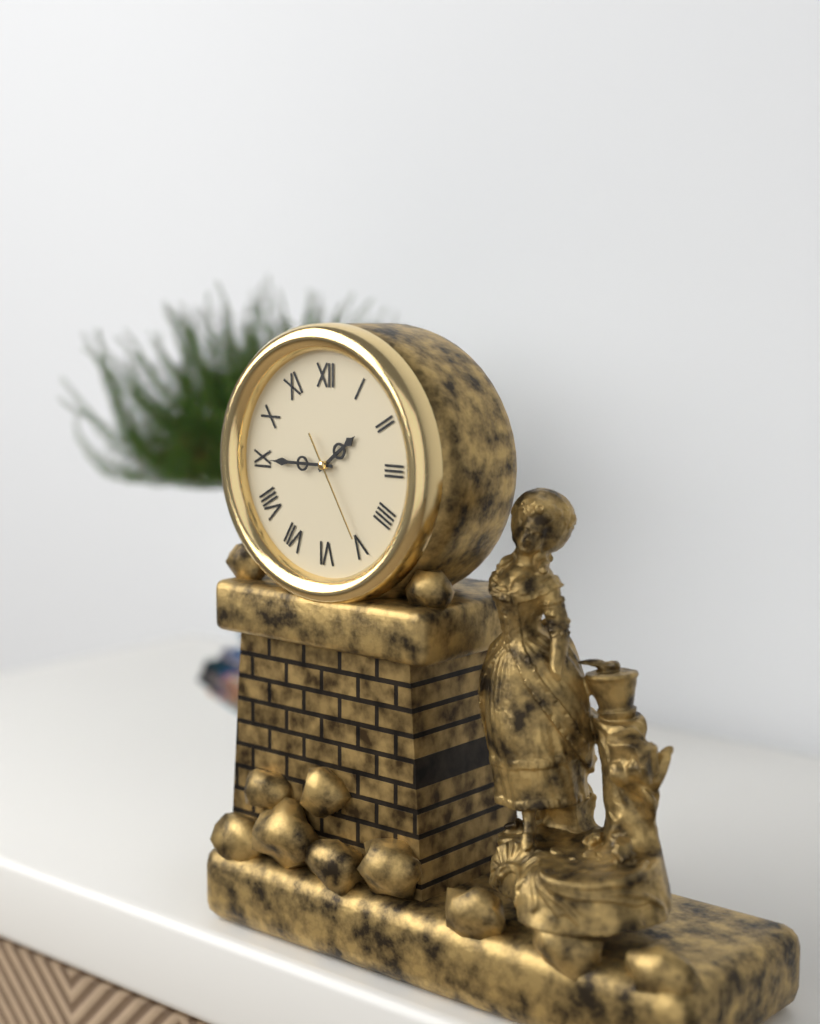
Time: {"hour": 1, "minute": 45, "second": 25}
